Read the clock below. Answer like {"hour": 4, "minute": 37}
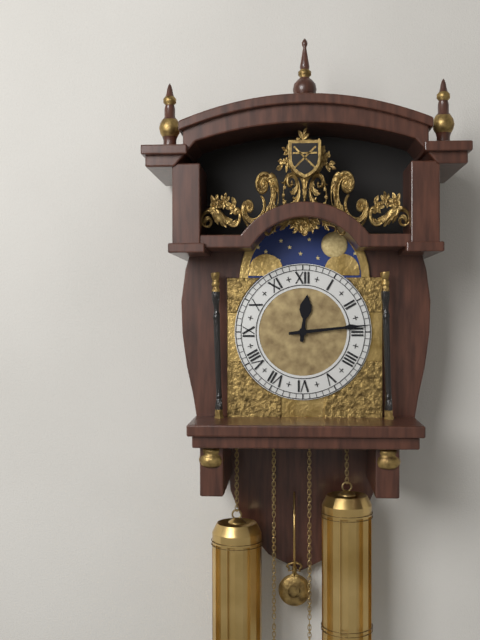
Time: {"hour": 12, "minute": 14}
